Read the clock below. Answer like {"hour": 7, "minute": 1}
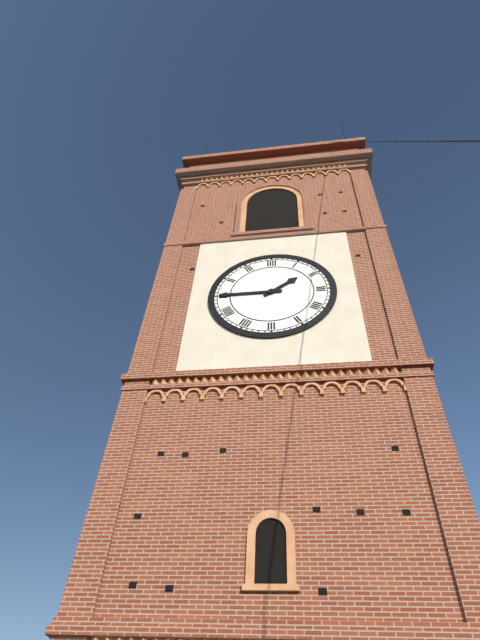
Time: {"hour": 1, "minute": 45}
